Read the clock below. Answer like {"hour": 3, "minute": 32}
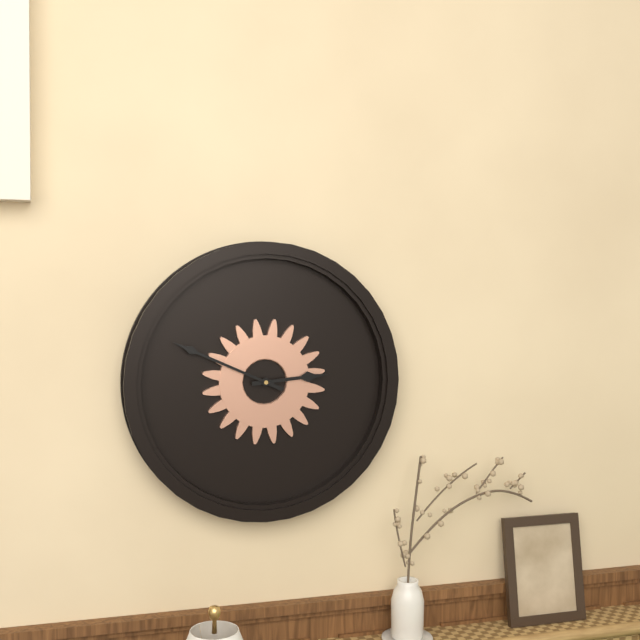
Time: {"hour": 2, "minute": 49}
